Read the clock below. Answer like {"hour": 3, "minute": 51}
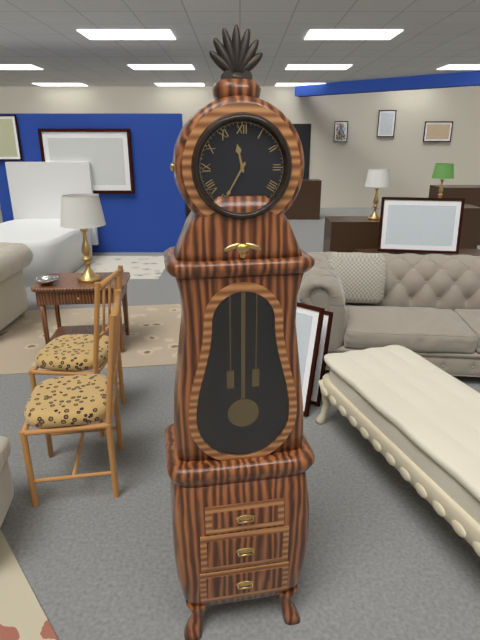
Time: {"hour": 11, "minute": 35}
